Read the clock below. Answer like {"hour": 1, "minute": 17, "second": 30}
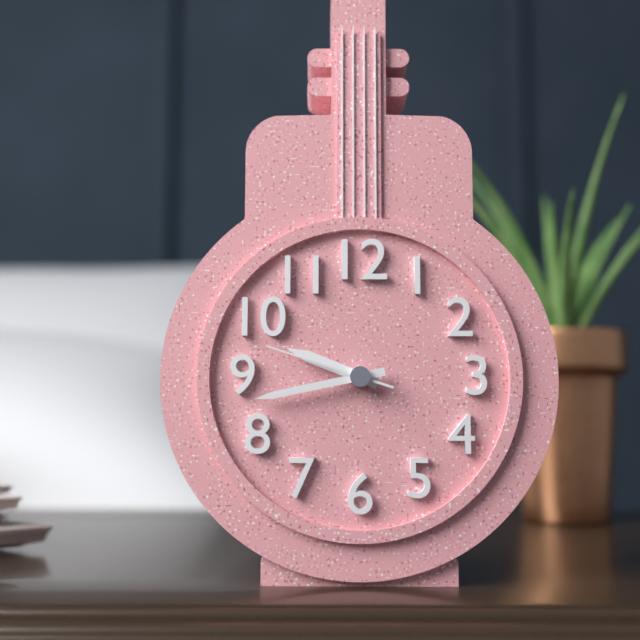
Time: {"hour": 9, "minute": 43, "second": 48}
